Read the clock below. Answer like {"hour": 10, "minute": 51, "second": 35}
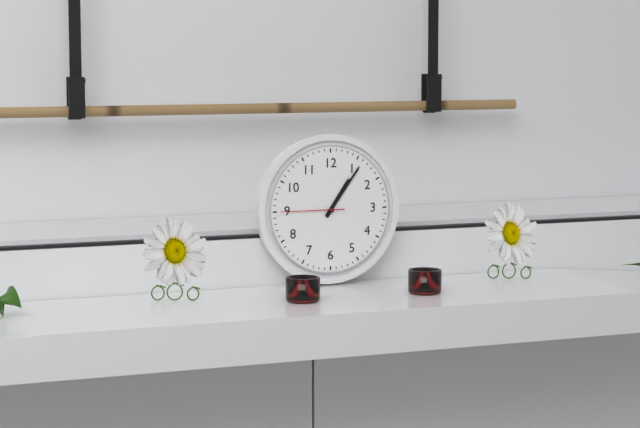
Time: {"hour": 1, "minute": 6, "second": 45}
